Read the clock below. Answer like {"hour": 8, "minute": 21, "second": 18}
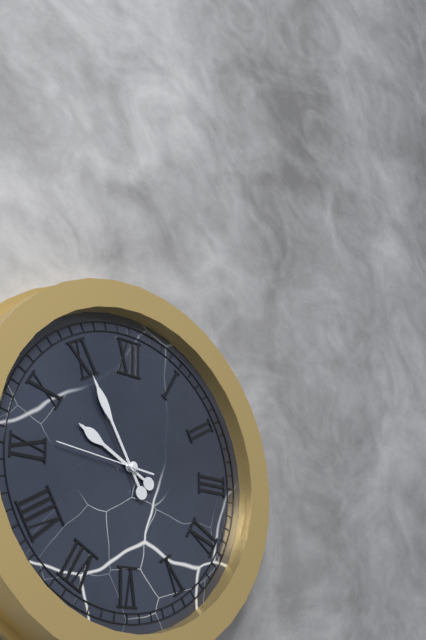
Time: {"hour": 9, "minute": 55, "second": 46}
